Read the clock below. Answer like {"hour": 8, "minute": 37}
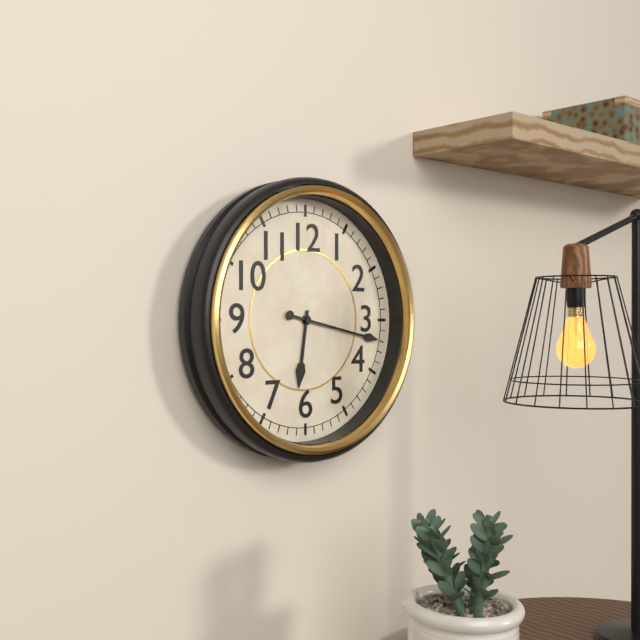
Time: {"hour": 6, "minute": 17}
